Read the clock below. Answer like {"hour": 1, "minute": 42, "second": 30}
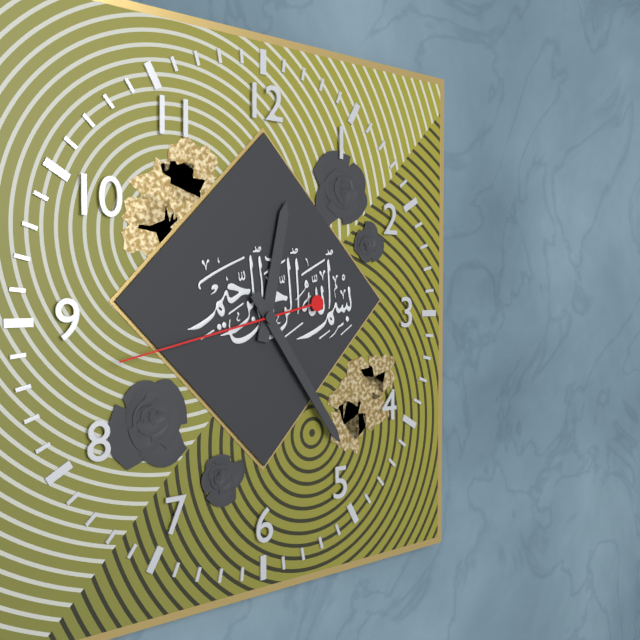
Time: {"hour": 12, "minute": 24, "second": 43}
